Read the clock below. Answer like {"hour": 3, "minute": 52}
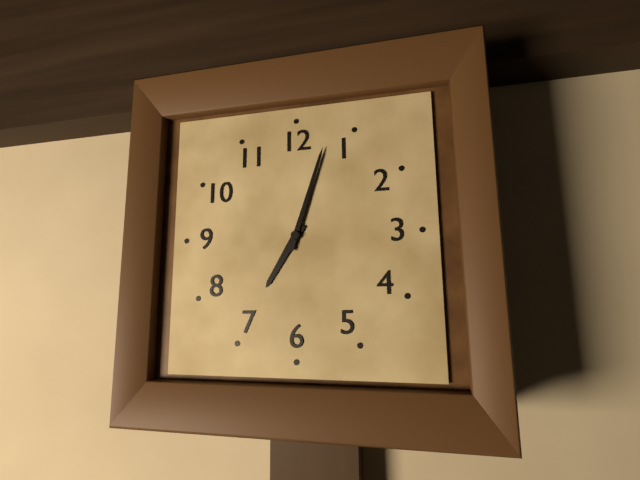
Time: {"hour": 7, "minute": 3}
